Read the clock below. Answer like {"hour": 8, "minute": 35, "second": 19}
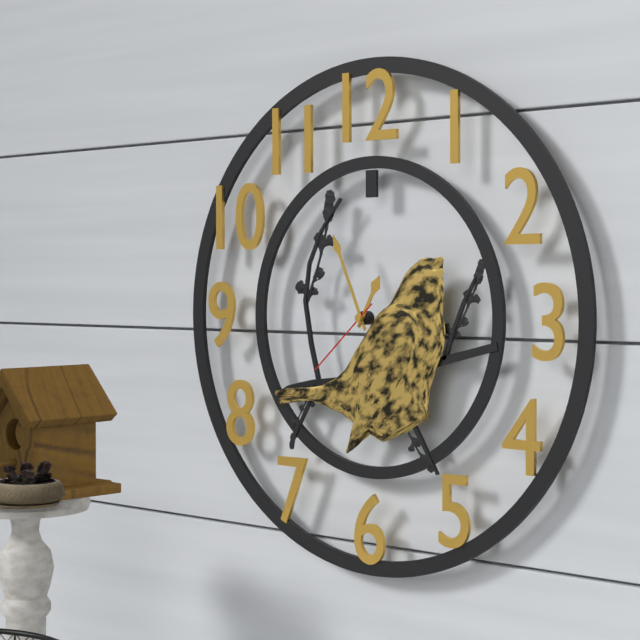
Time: {"hour": 12, "minute": 56, "second": 38}
